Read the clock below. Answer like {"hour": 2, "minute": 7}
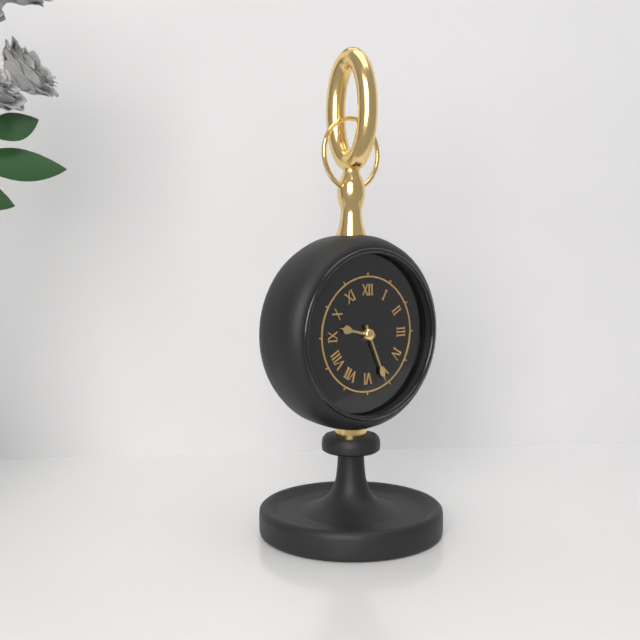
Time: {"hour": 9, "minute": 26}
